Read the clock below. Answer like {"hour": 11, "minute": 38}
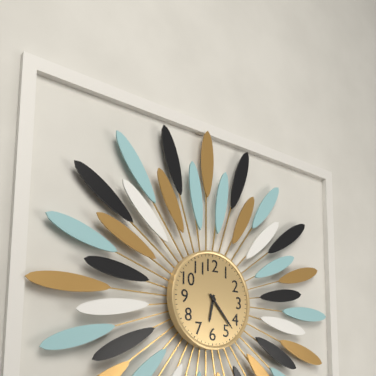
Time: {"hour": 6, "minute": 23}
